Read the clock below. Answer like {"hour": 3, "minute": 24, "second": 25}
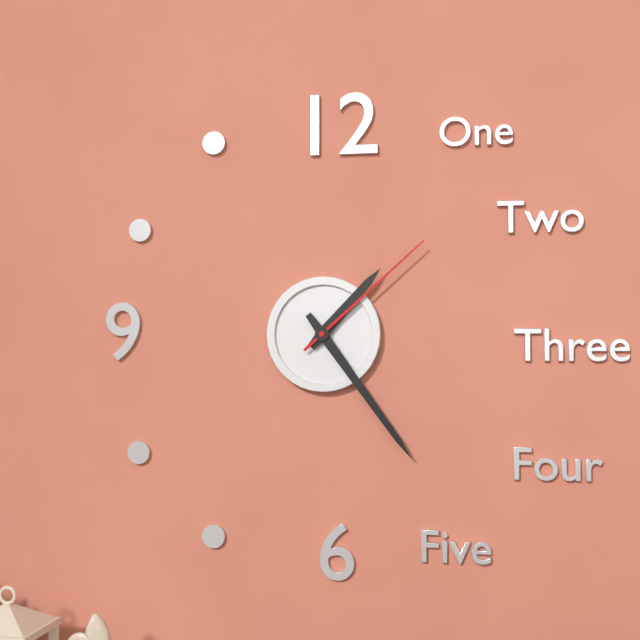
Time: {"hour": 1, "minute": 24, "second": 8}
